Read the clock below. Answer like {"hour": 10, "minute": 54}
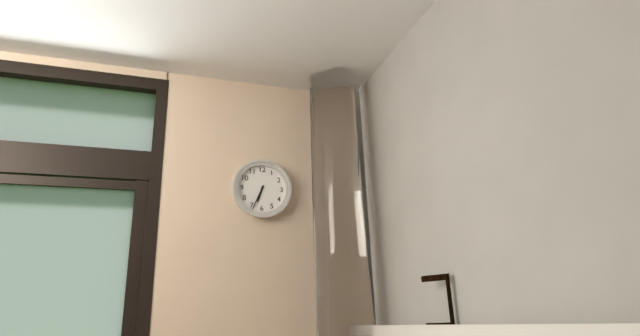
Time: {"hour": 6, "minute": 34}
